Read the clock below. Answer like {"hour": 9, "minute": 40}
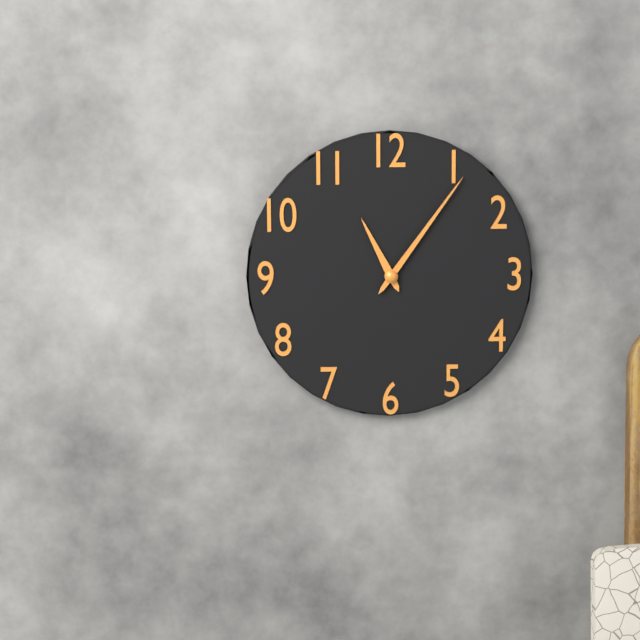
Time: {"hour": 11, "minute": 6}
